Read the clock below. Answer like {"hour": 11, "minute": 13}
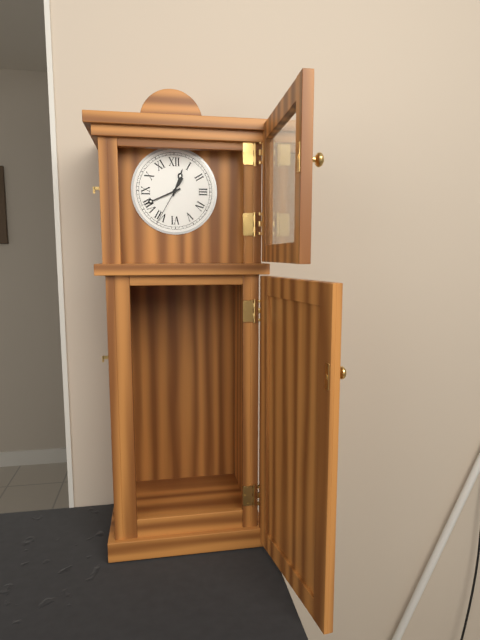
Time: {"hour": 12, "minute": 41}
